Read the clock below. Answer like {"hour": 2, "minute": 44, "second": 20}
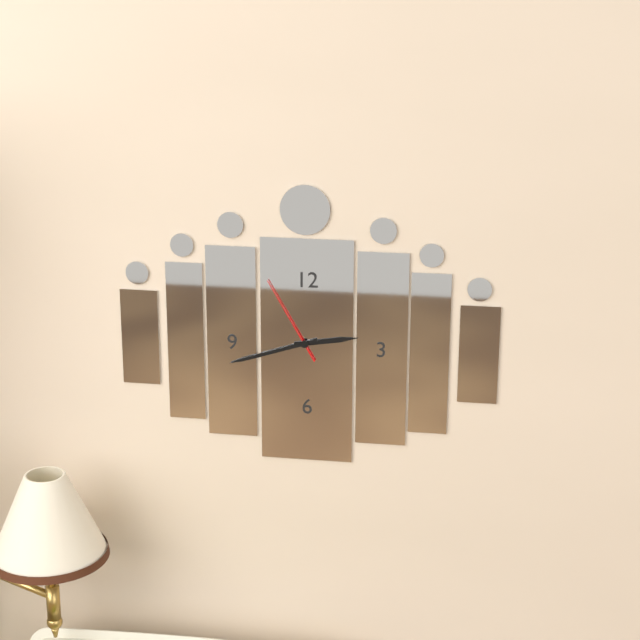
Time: {"hour": 2, "minute": 42, "second": 55}
